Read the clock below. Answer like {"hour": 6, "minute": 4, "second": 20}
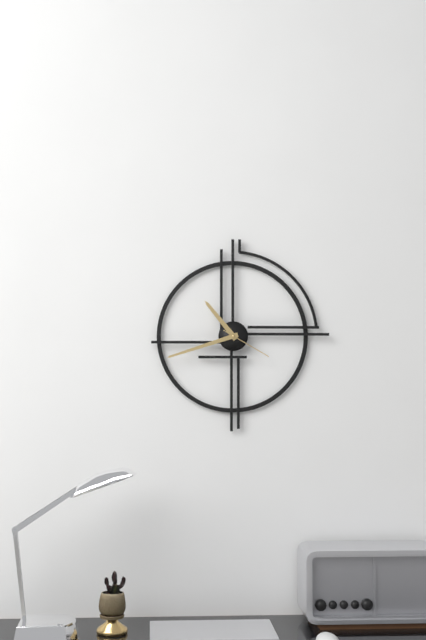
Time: {"hour": 10, "minute": 42, "second": 20}
